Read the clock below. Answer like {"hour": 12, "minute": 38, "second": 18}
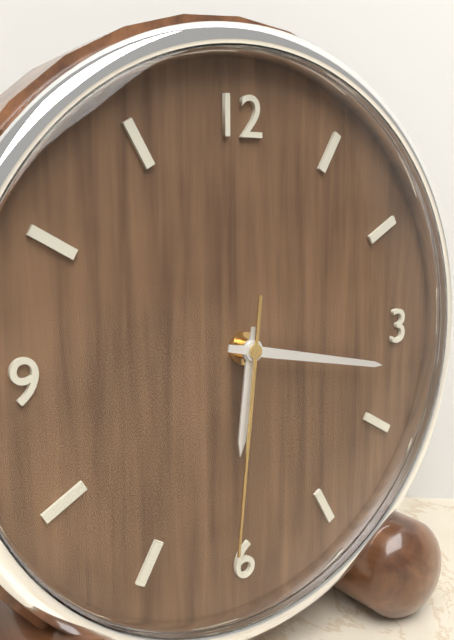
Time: {"hour": 6, "minute": 17, "second": 31}
